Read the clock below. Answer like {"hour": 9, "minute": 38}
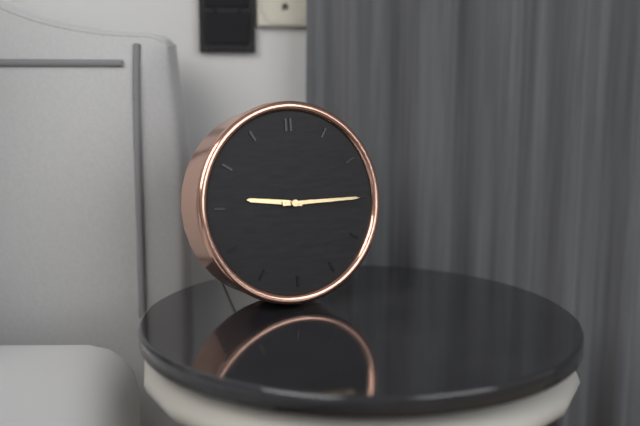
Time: {"hour": 9, "minute": 15}
